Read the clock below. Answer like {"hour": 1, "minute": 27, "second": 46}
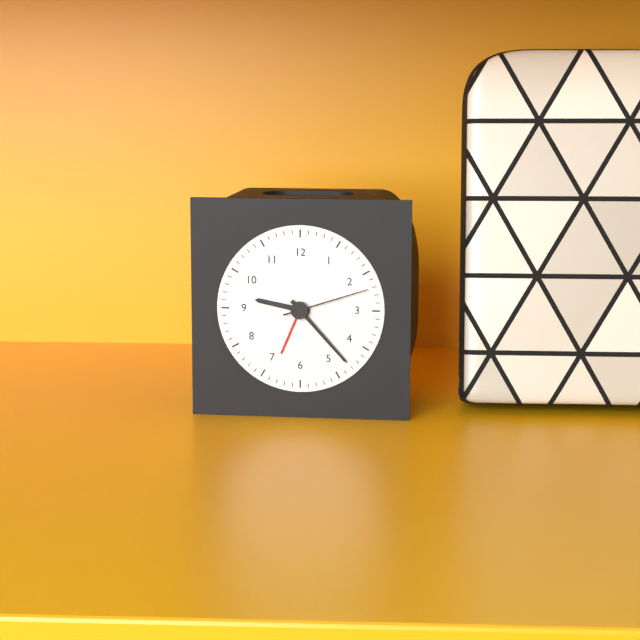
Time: {"hour": 9, "minute": 23, "second": 12}
